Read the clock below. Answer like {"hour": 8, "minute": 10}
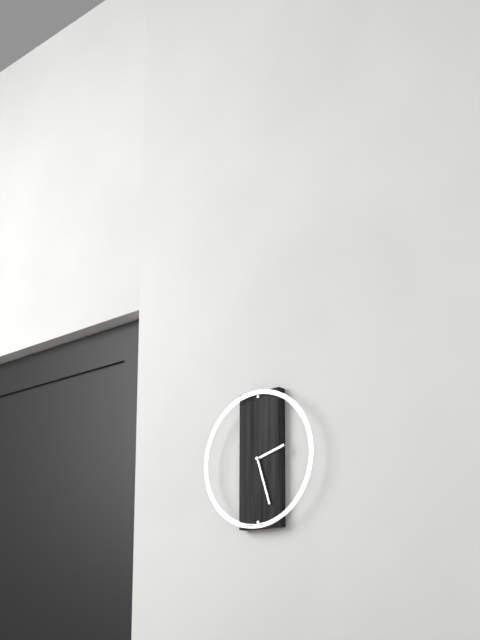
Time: {"hour": 2, "minute": 27}
